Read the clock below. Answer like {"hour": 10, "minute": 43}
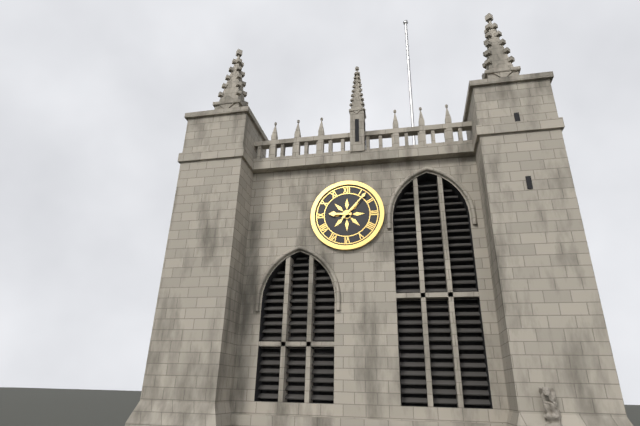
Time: {"hour": 9, "minute": 7}
